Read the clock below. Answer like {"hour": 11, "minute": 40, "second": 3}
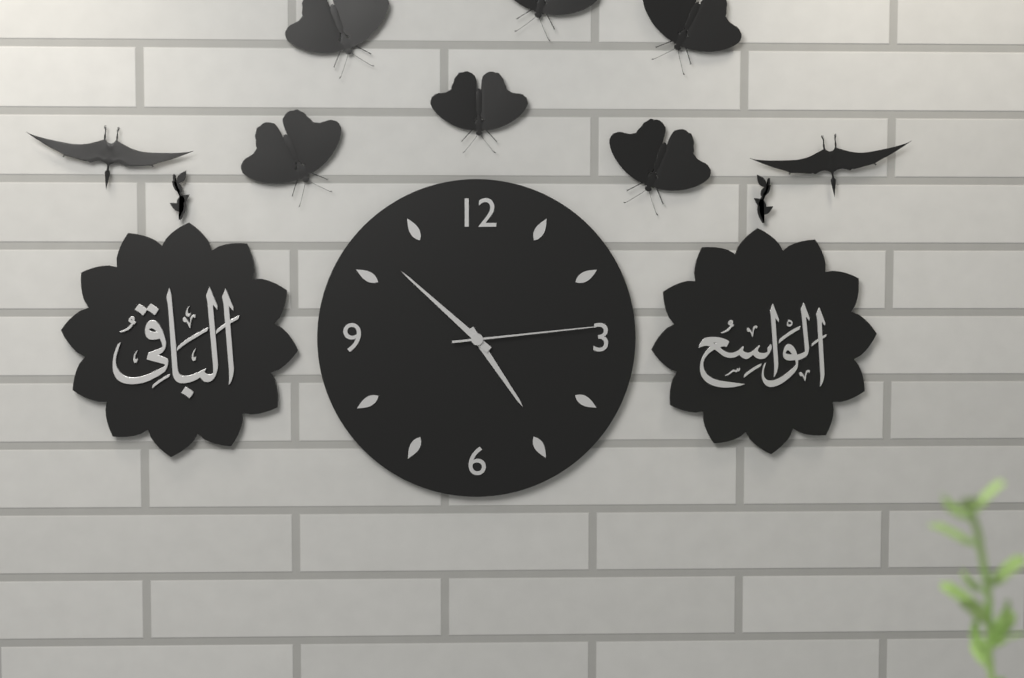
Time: {"hour": 4, "minute": 52, "second": 14}
